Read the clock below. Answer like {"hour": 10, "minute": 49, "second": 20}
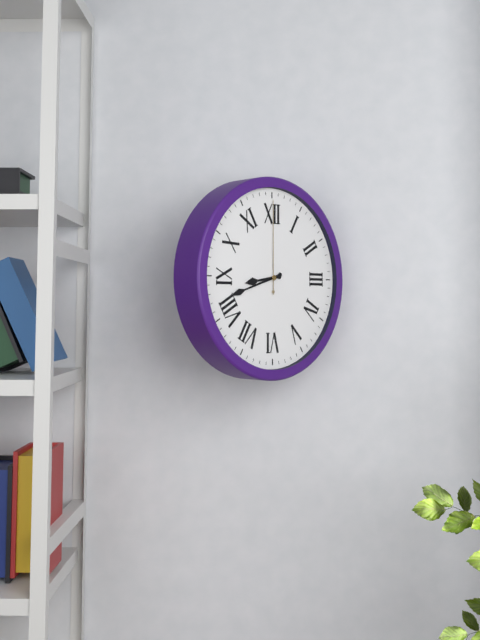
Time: {"hour": 8, "minute": 42, "second": 0}
